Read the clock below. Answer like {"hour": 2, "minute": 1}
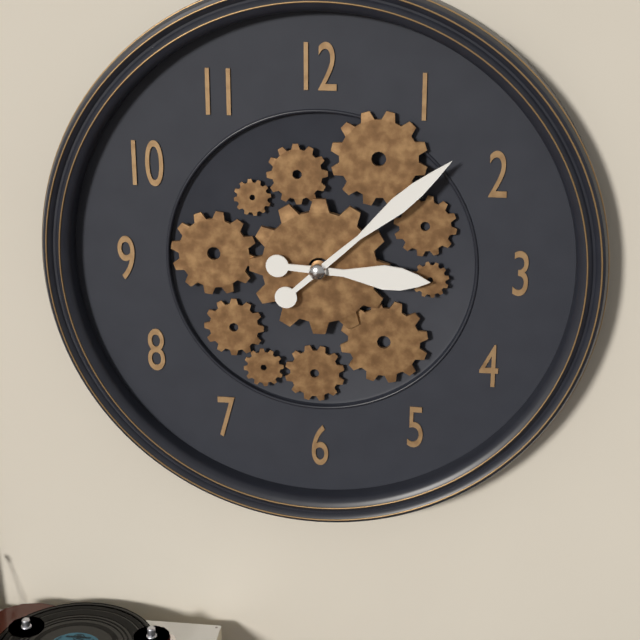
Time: {"hour": 3, "minute": 8}
